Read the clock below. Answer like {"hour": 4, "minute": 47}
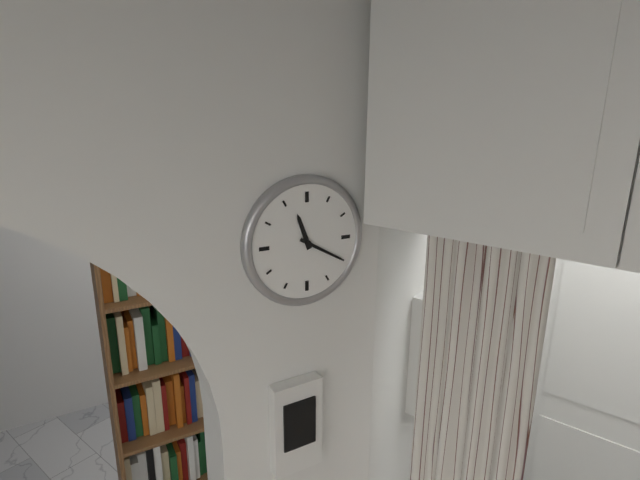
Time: {"hour": 11, "minute": 20}
